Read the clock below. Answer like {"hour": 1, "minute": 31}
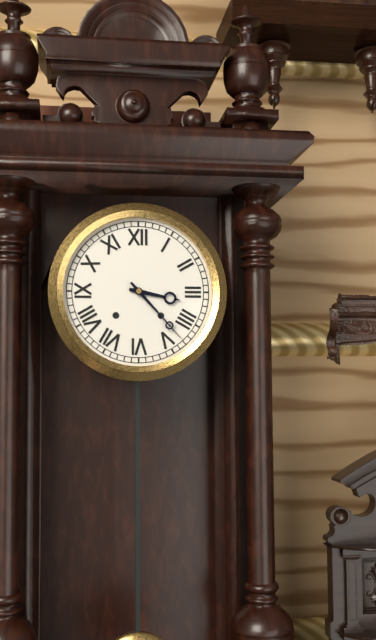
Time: {"hour": 3, "minute": 23}
